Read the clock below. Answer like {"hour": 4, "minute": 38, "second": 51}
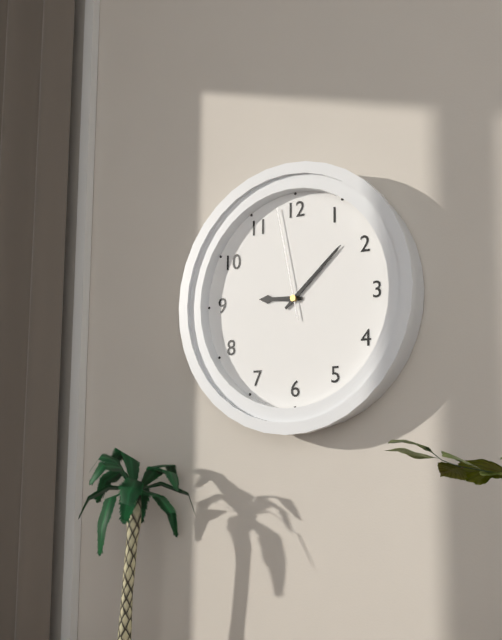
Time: {"hour": 9, "minute": 8, "second": 58}
